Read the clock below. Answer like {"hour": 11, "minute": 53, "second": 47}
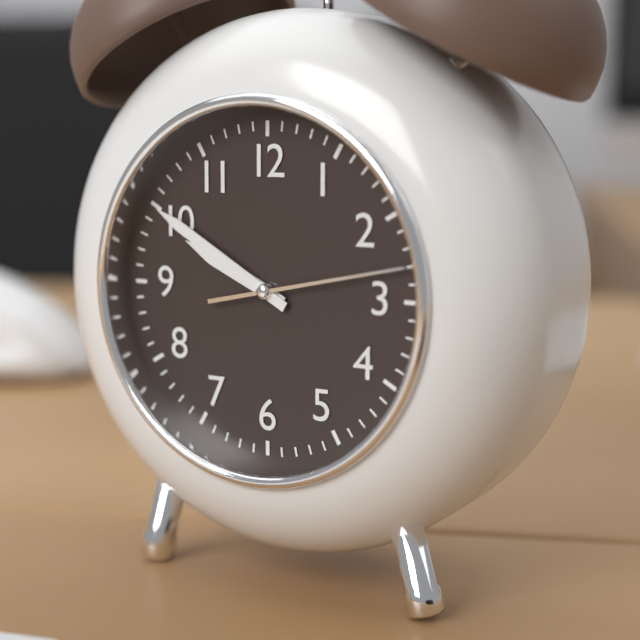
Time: {"hour": 9, "minute": 50, "second": 13}
